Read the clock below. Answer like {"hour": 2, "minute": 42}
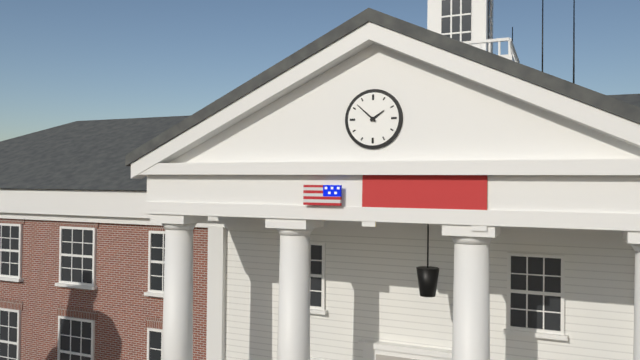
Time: {"hour": 1, "minute": 52}
